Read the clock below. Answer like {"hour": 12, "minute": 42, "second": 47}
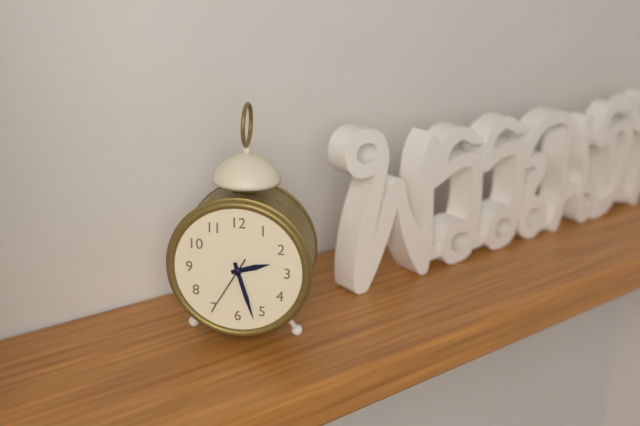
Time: {"hour": 2, "minute": 27, "second": 35}
